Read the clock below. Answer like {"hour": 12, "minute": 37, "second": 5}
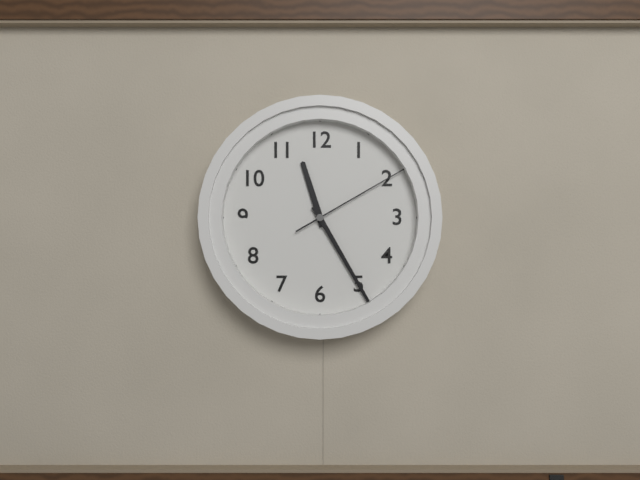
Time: {"hour": 11, "minute": 25, "second": 10}
